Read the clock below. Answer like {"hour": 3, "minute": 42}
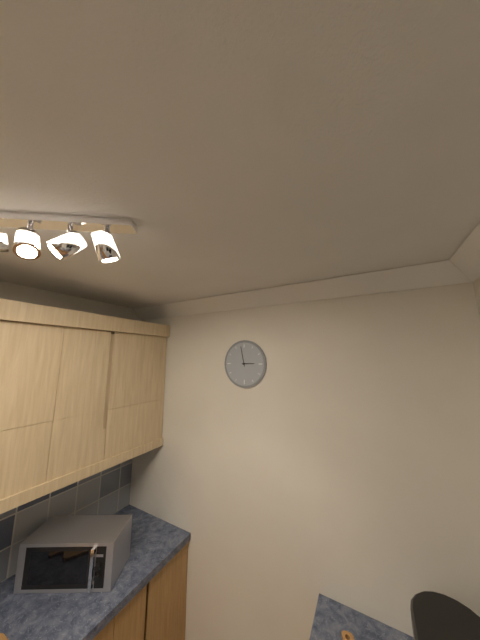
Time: {"hour": 2, "minute": 58}
